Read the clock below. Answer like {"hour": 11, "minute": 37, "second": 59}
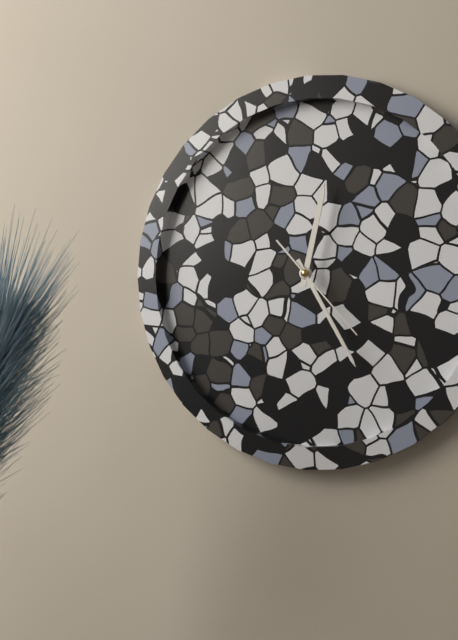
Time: {"hour": 12, "minute": 25, "second": 23}
